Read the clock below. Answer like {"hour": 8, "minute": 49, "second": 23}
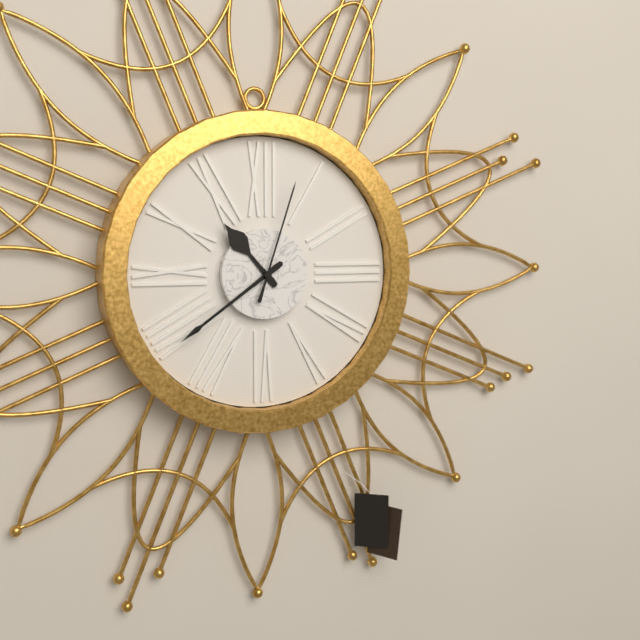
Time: {"hour": 10, "minute": 39, "second": 3}
